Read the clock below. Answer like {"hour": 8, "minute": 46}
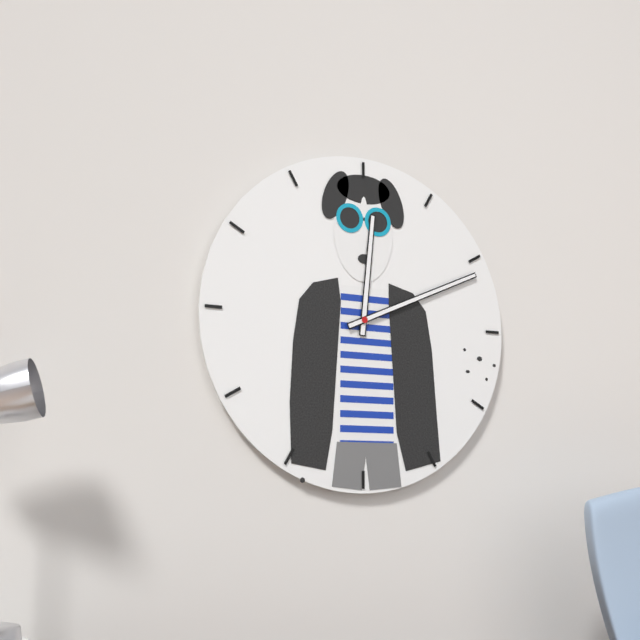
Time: {"hour": 12, "minute": 11}
